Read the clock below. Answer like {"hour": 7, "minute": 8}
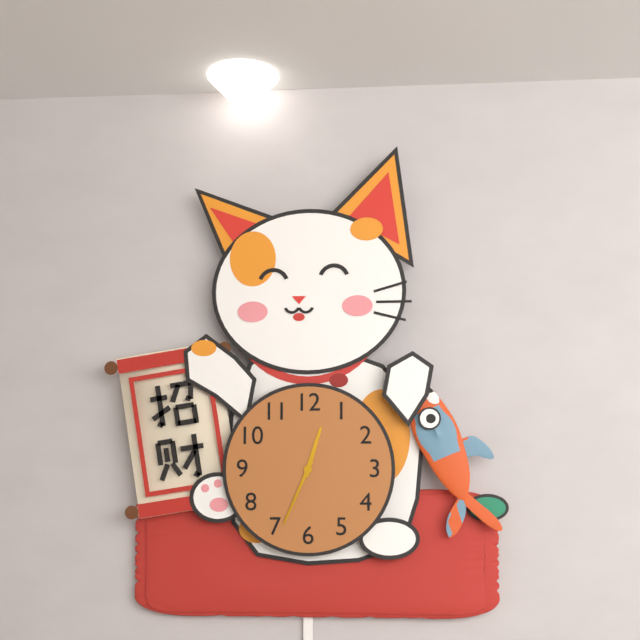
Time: {"hour": 12, "minute": 34}
